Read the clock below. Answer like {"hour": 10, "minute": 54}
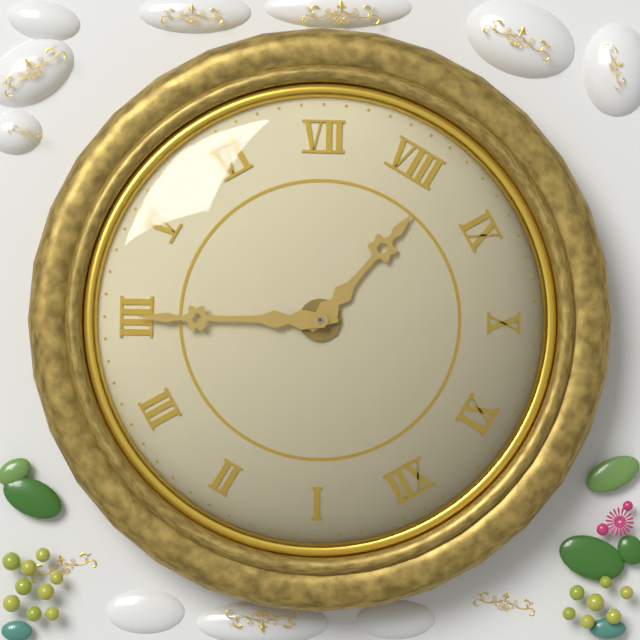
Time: {"hour": 8, "minute": 20}
